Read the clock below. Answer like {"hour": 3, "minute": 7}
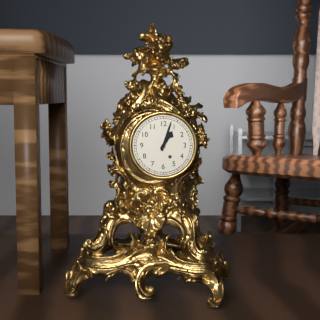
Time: {"hour": 1, "minute": 3}
